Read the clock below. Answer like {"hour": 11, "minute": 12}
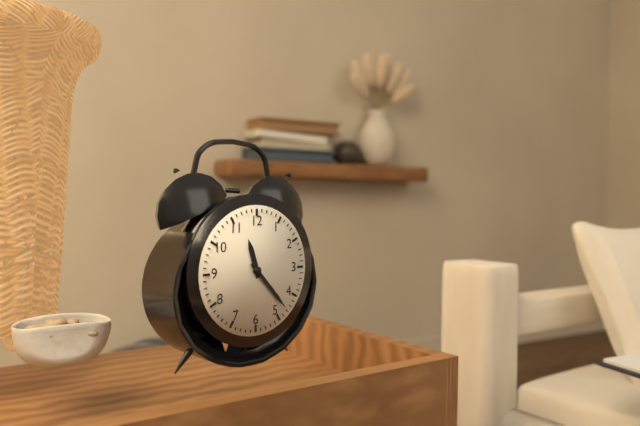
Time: {"hour": 11, "minute": 23}
